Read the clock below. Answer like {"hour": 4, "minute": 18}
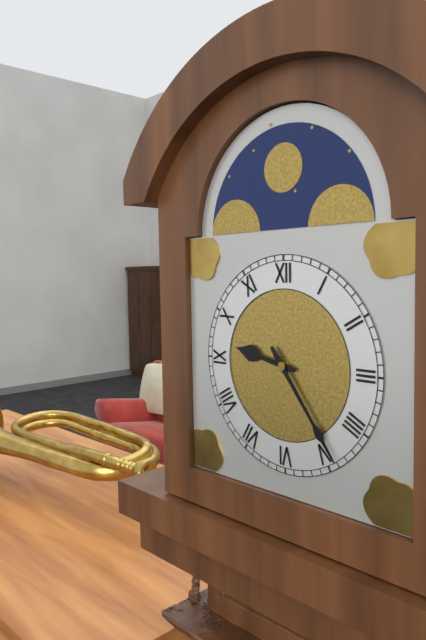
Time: {"hour": 9, "minute": 24}
